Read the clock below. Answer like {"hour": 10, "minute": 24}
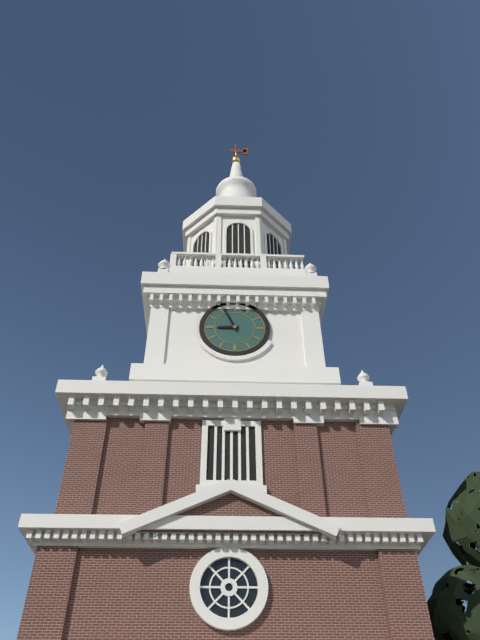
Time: {"hour": 8, "minute": 56}
